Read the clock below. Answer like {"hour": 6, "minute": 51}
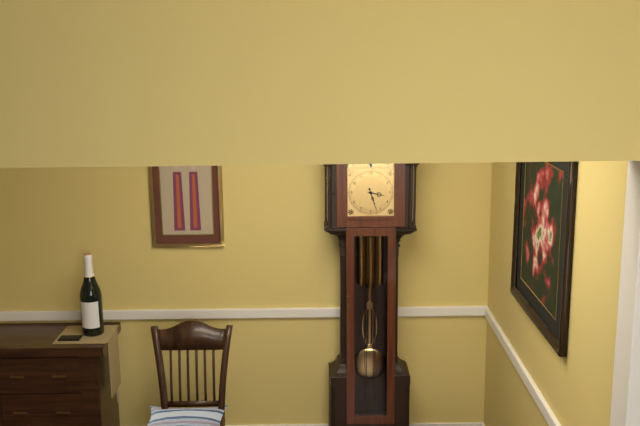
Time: {"hour": 3, "minute": 27}
